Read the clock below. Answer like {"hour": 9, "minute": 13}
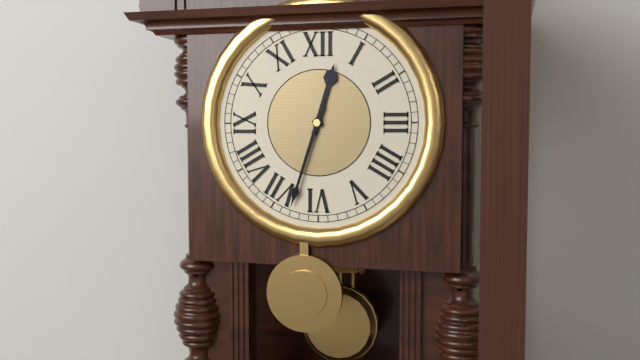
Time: {"hour": 12, "minute": 33}
